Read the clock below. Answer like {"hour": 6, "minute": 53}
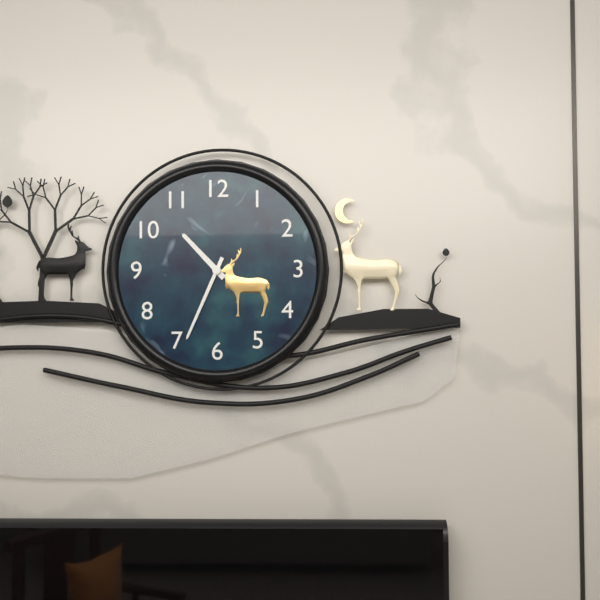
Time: {"hour": 10, "minute": 34}
